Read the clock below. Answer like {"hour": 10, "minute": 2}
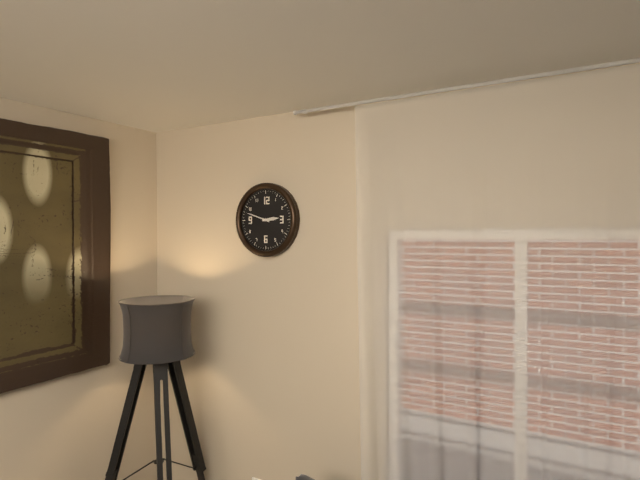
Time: {"hour": 2, "minute": 48}
